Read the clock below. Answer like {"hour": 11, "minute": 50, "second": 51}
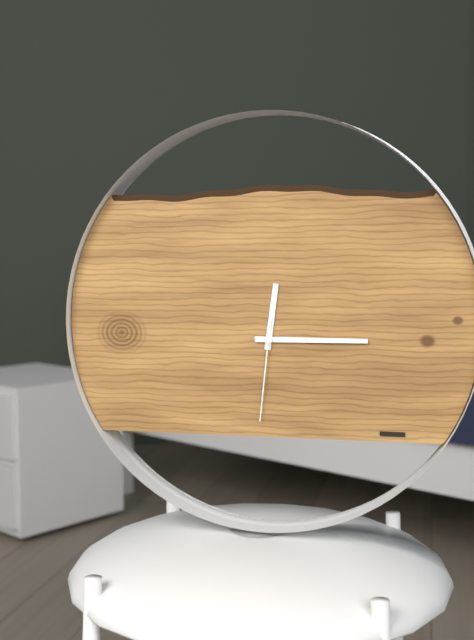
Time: {"hour": 12, "minute": 15, "second": 31}
